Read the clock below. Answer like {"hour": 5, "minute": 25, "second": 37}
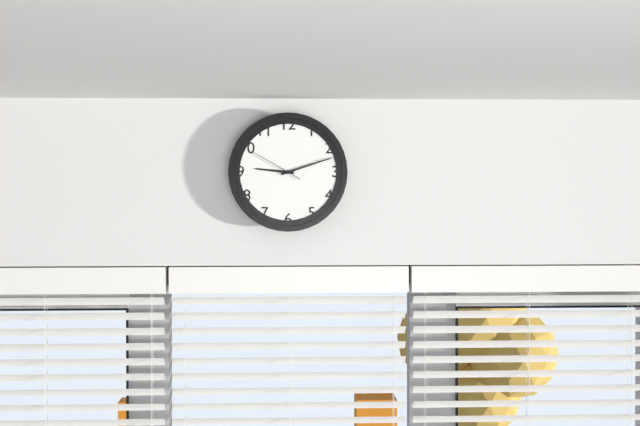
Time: {"hour": 9, "minute": 12, "second": 50}
